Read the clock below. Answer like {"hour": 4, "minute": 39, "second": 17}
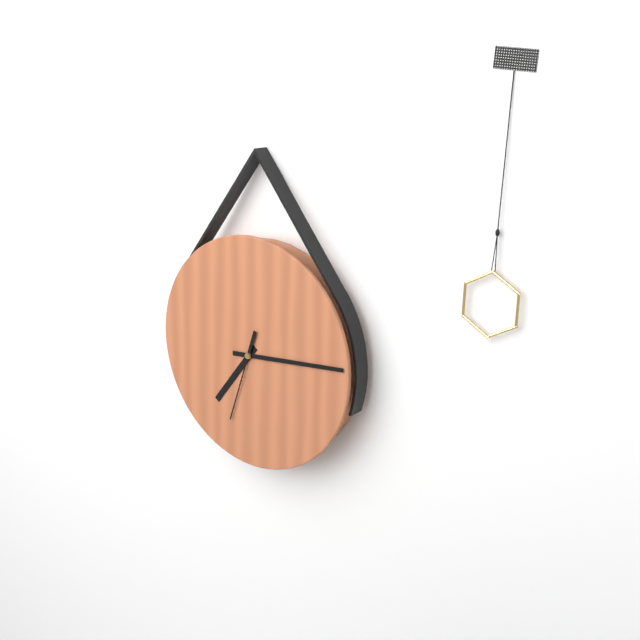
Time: {"hour": 7, "minute": 14, "second": 33}
